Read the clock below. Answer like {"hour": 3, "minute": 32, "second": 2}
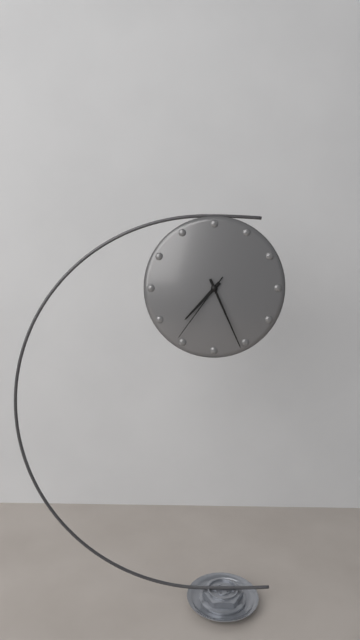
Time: {"hour": 7, "minute": 26, "second": 36}
